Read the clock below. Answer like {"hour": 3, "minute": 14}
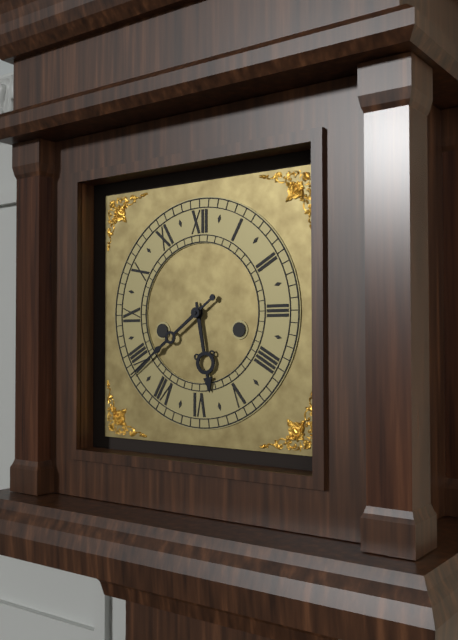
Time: {"hour": 5, "minute": 39}
